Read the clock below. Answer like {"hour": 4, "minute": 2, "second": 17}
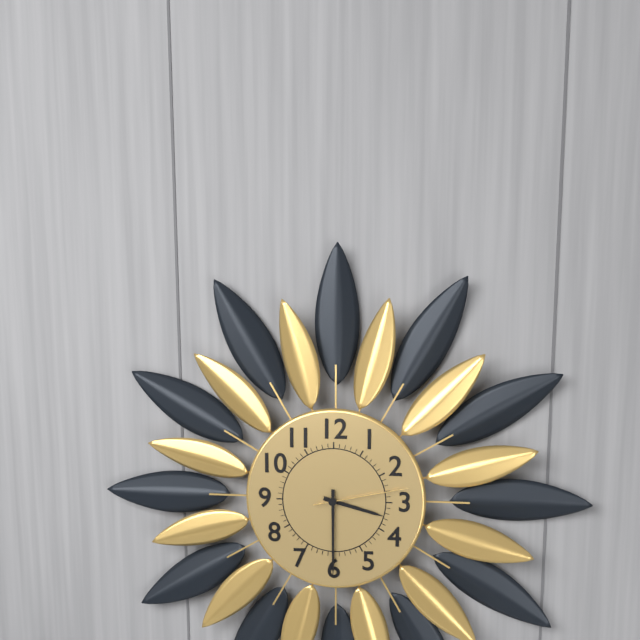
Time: {"hour": 3, "minute": 30, "second": 13}
